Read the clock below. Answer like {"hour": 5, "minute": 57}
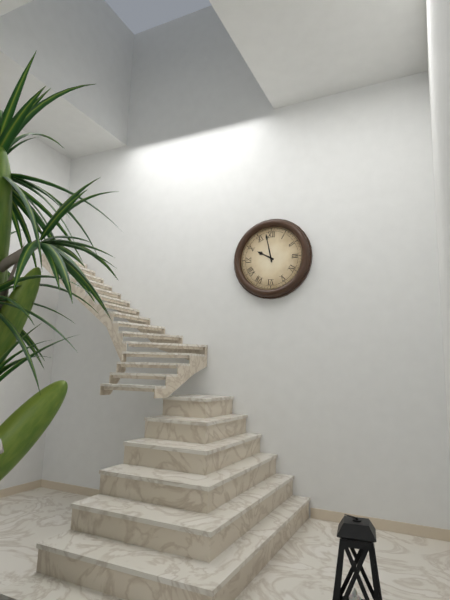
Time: {"hour": 9, "minute": 58}
